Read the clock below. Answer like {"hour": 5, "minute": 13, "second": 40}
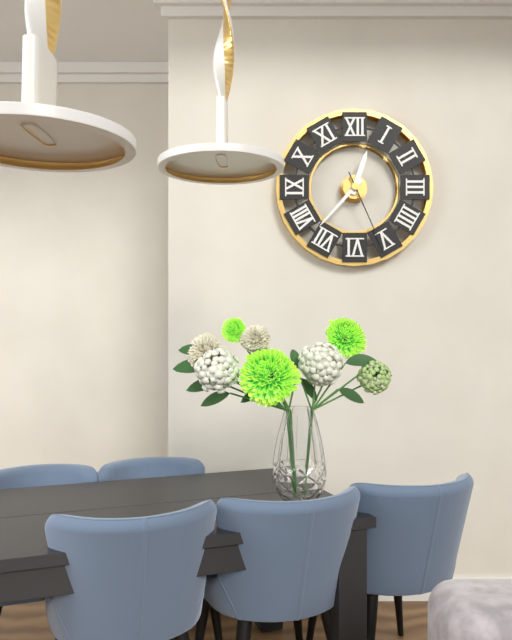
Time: {"hour": 12, "minute": 37, "second": 26}
